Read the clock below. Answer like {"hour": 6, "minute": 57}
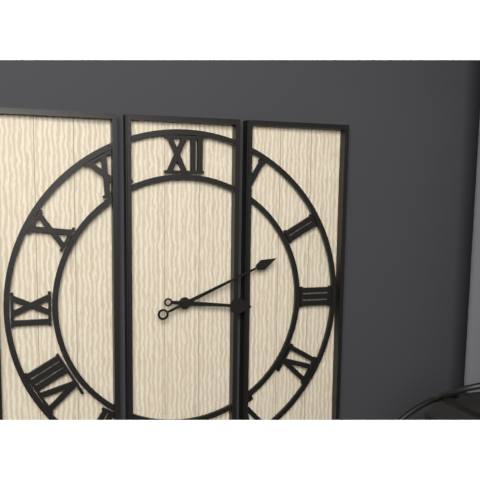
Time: {"hour": 3, "minute": 11}
